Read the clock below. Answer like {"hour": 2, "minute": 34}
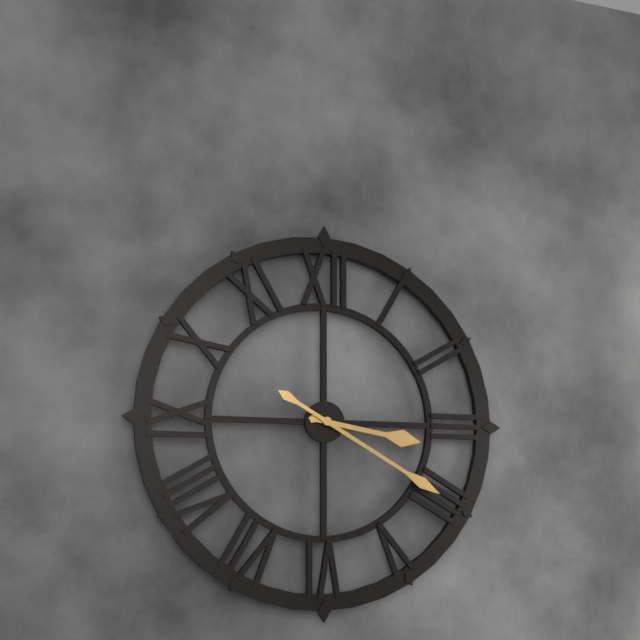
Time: {"hour": 3, "minute": 20}
